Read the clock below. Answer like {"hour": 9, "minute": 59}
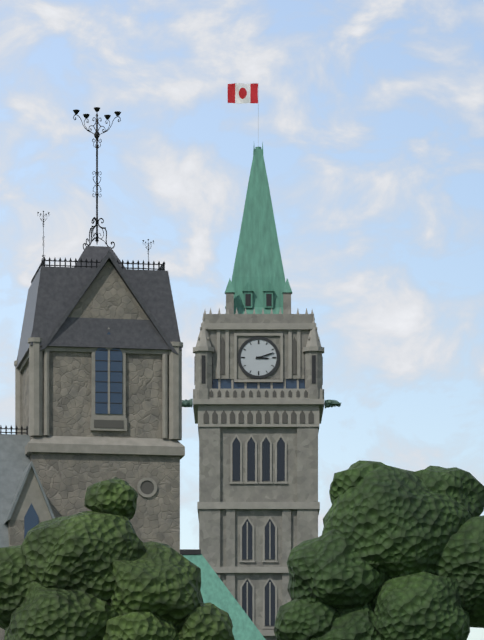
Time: {"hour": 3, "minute": 12}
